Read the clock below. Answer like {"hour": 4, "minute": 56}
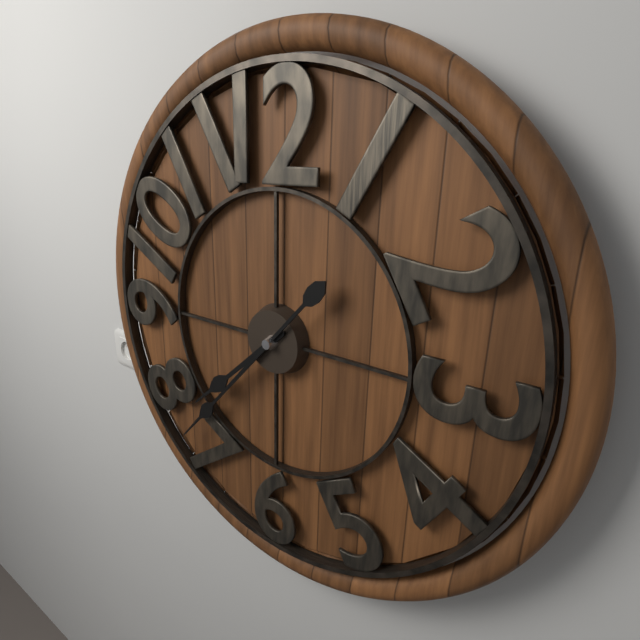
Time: {"hour": 7, "minute": 37}
